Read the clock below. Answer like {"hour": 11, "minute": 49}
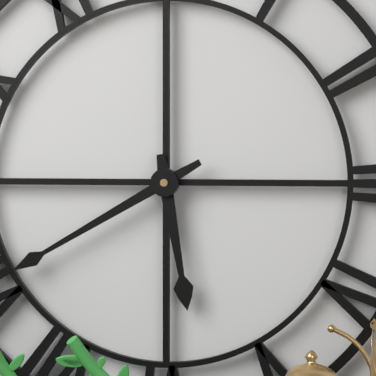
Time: {"hour": 5, "minute": 40}
